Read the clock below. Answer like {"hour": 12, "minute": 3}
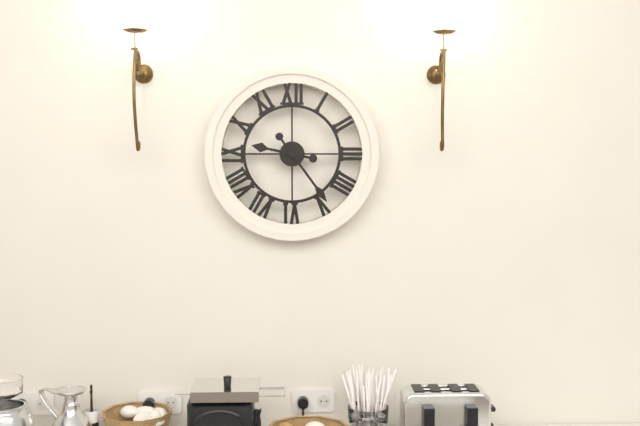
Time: {"hour": 9, "minute": 24}
